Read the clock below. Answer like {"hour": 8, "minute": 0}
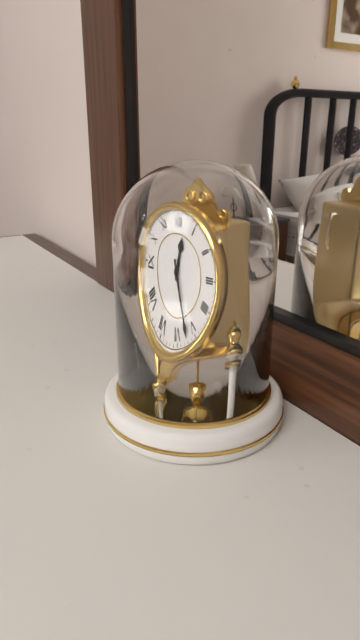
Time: {"hour": 12, "minute": 27}
